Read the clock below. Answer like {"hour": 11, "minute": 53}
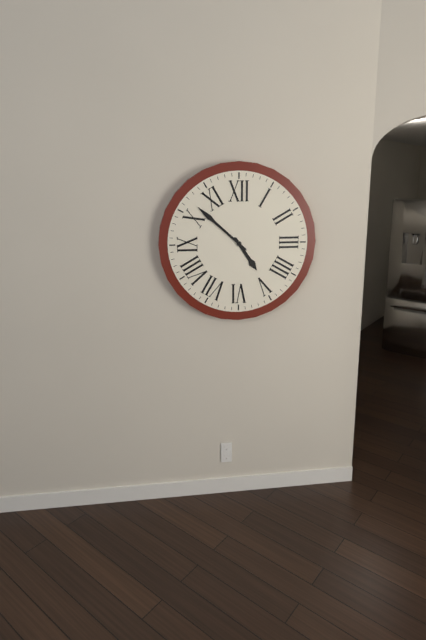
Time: {"hour": 4, "minute": 52}
